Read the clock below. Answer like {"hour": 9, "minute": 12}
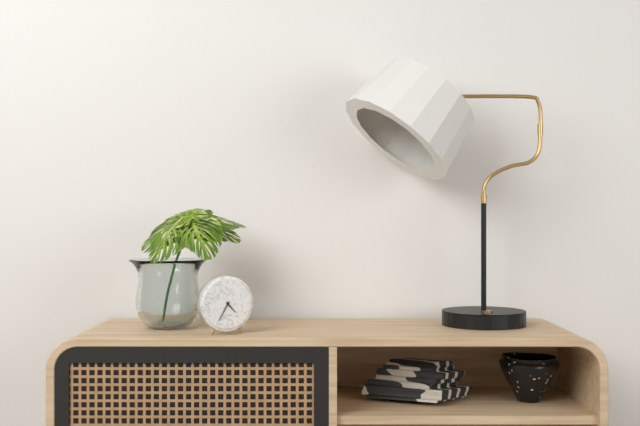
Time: {"hour": 4, "minute": 35}
